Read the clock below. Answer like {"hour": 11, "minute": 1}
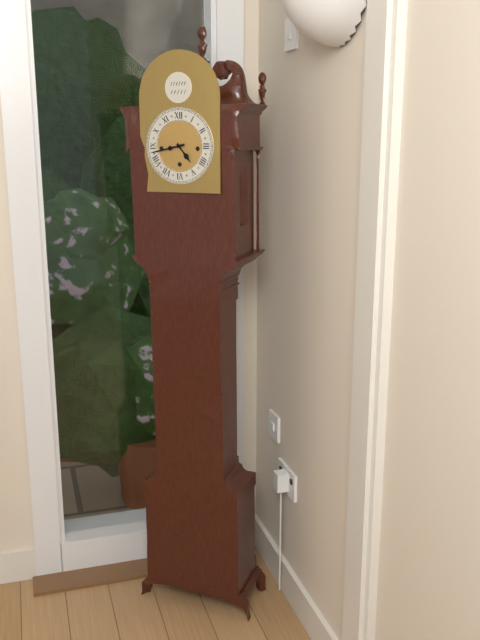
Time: {"hour": 4, "minute": 43}
